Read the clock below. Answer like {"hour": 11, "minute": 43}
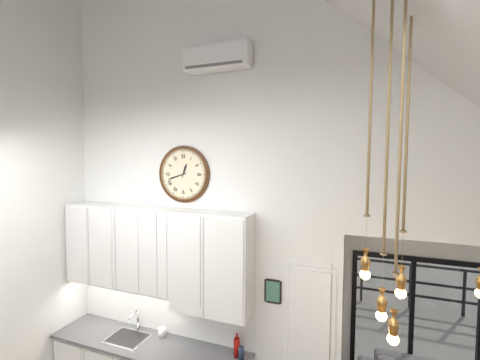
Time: {"hour": 12, "minute": 42}
